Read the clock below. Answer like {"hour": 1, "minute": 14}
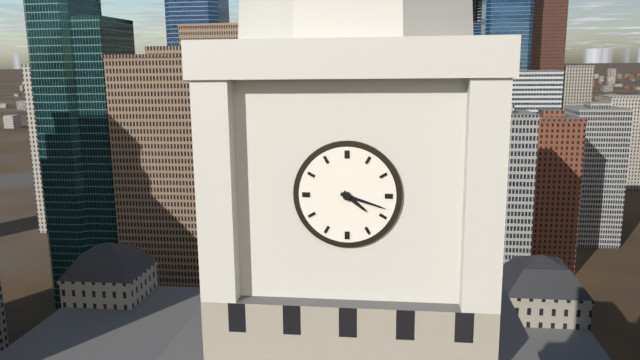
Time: {"hour": 4, "minute": 18}
